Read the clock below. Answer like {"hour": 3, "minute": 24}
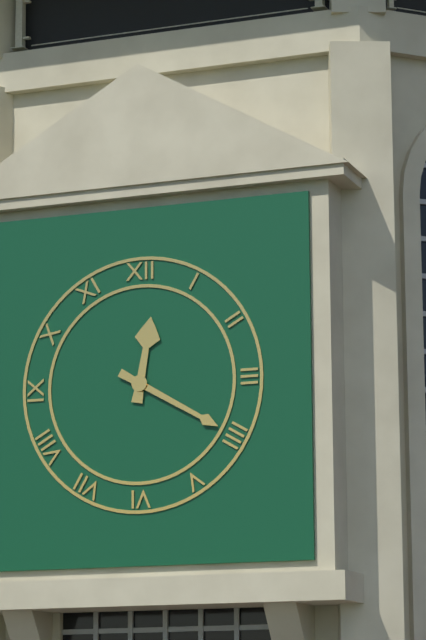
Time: {"hour": 12, "minute": 20}
